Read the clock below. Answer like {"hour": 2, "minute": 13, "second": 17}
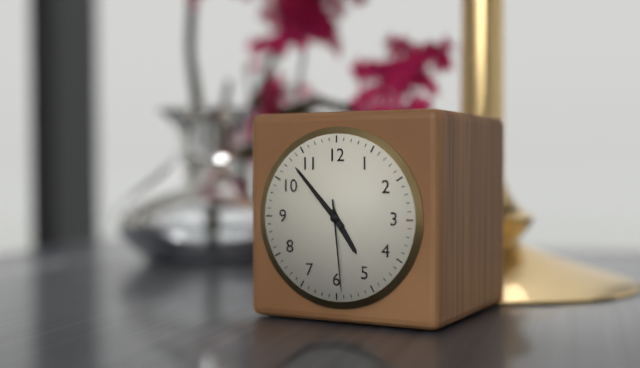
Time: {"hour": 4, "minute": 53, "second": 29}
